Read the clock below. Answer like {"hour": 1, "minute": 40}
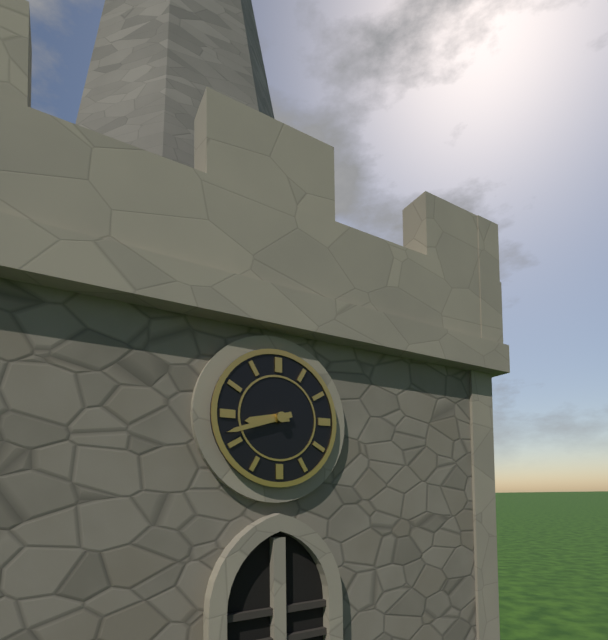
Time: {"hour": 8, "minute": 42}
